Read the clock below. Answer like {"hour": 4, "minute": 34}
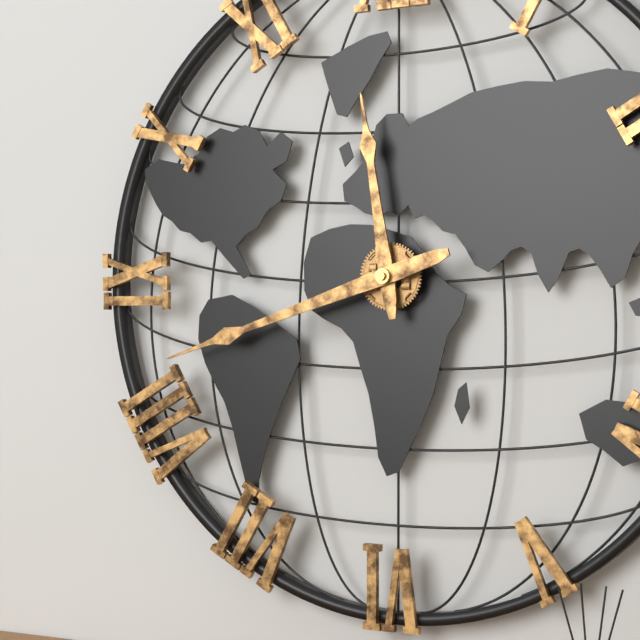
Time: {"hour": 11, "minute": 42}
